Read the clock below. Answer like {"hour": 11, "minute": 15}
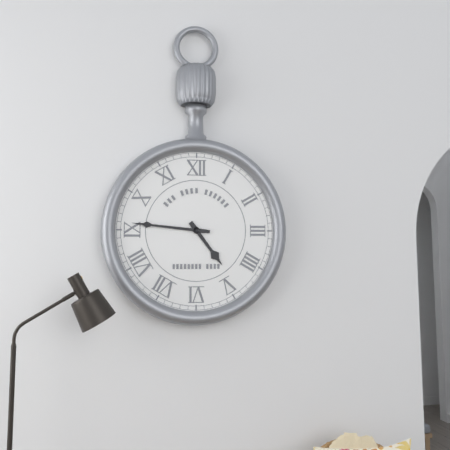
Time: {"hour": 4, "minute": 46}
